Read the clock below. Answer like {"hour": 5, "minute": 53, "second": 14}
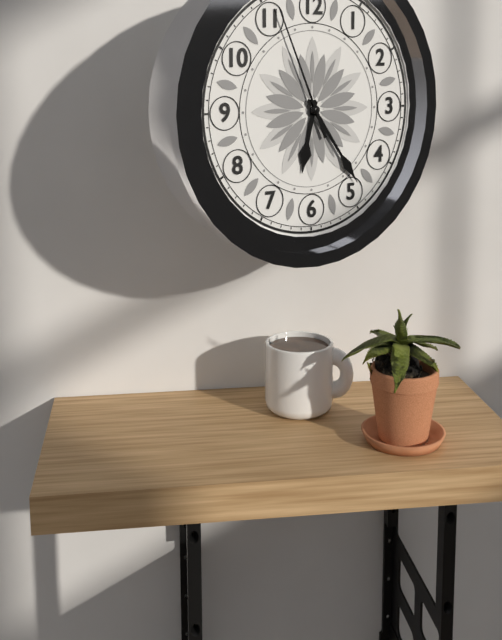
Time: {"hour": 6, "minute": 24, "second": 56}
